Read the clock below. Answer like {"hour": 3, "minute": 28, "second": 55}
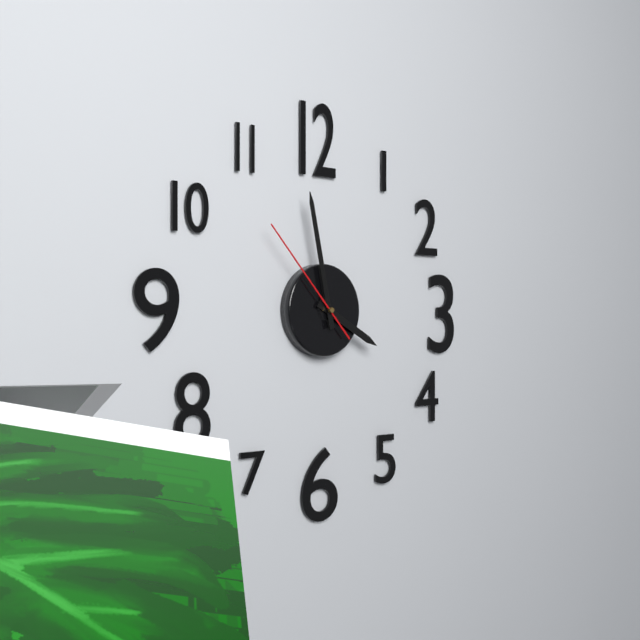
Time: {"hour": 3, "minute": 58, "second": 53}
